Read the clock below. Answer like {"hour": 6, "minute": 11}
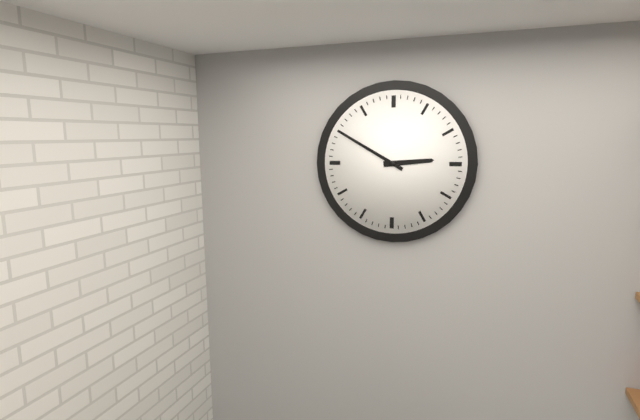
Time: {"hour": 2, "minute": 50}
